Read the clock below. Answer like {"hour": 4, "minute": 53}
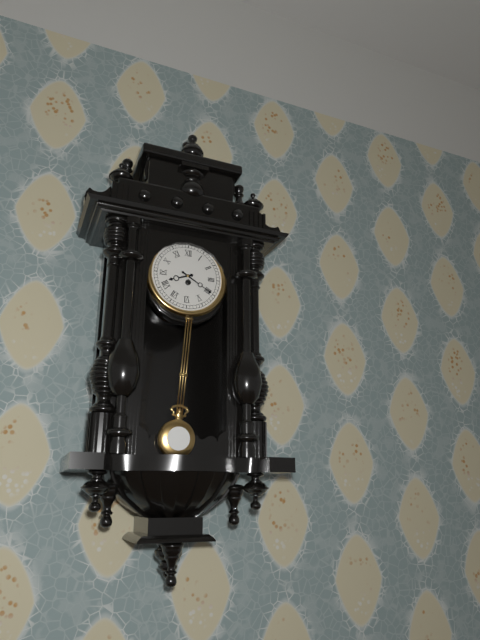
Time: {"hour": 8, "minute": 20}
